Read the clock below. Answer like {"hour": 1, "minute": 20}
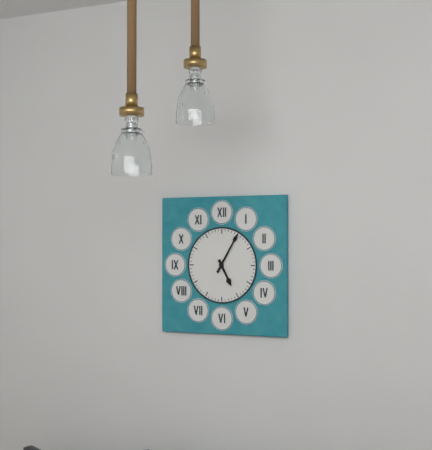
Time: {"hour": 5, "minute": 5}
